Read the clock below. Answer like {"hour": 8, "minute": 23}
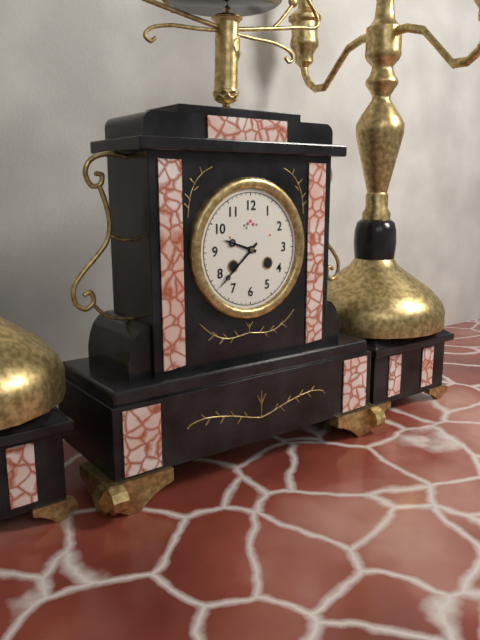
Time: {"hour": 9, "minute": 38}
